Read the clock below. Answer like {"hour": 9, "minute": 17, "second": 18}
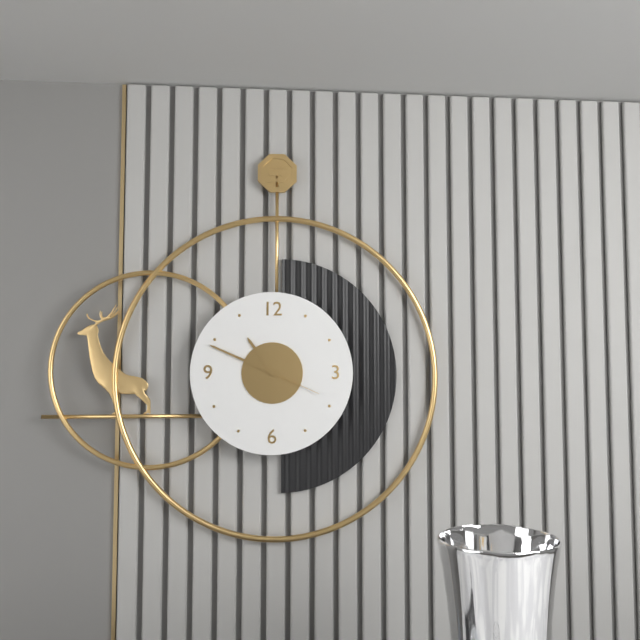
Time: {"hour": 10, "minute": 49, "second": 19}
